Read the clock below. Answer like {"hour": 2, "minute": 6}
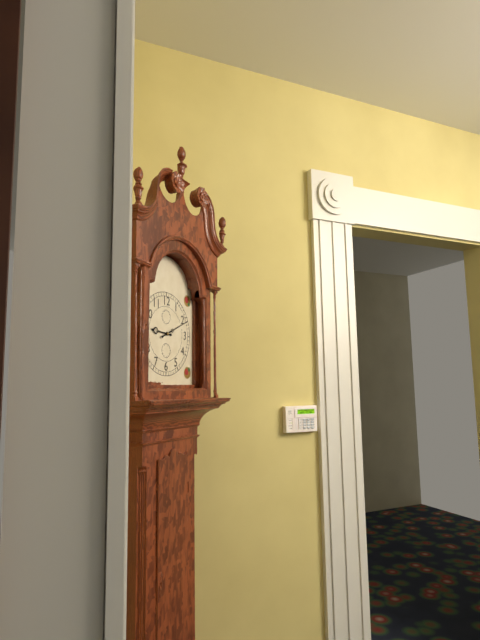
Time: {"hour": 9, "minute": 11}
